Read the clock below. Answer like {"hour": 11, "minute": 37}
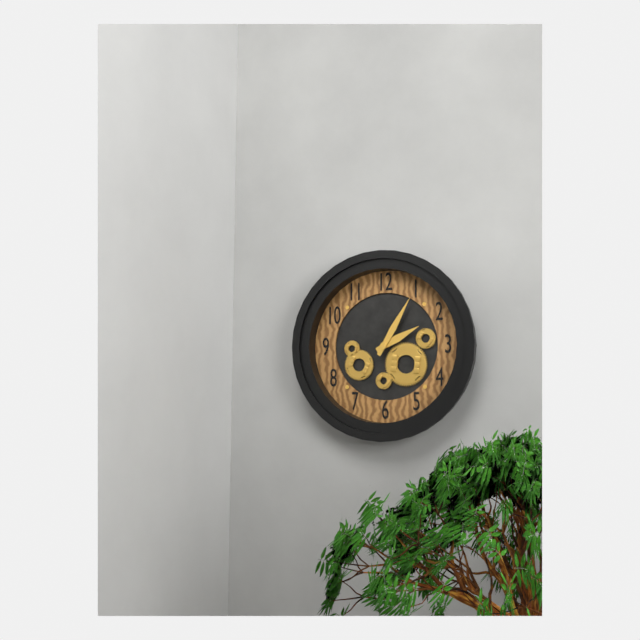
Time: {"hour": 2, "minute": 5}
